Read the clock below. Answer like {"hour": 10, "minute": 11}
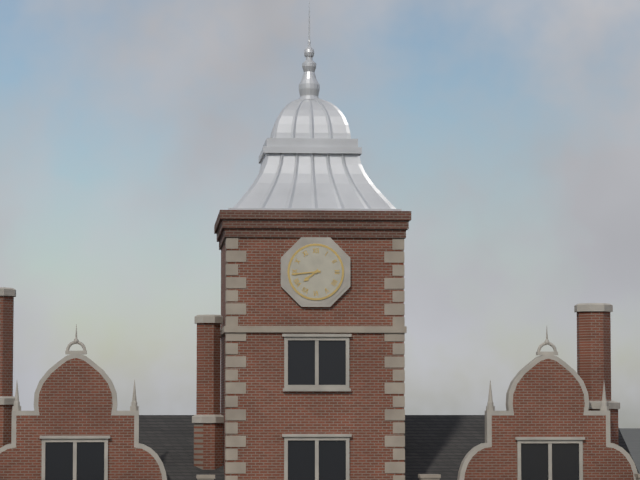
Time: {"hour": 7, "minute": 44}
